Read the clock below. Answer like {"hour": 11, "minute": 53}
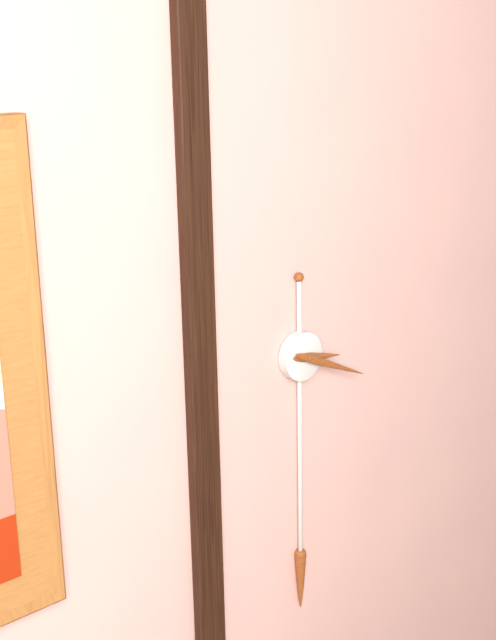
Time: {"hour": 3, "minute": 19}
